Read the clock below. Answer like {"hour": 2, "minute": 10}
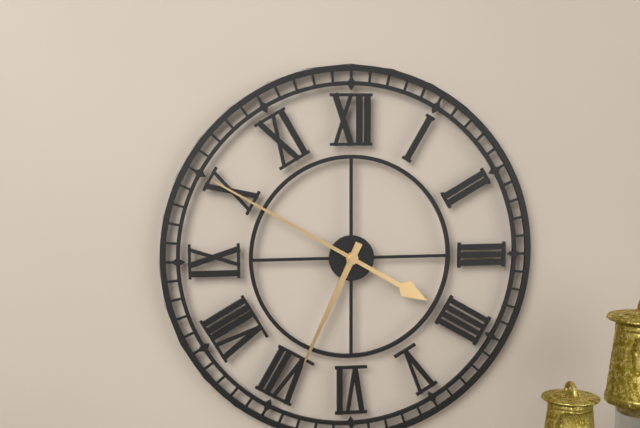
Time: {"hour": 6, "minute": 50}
